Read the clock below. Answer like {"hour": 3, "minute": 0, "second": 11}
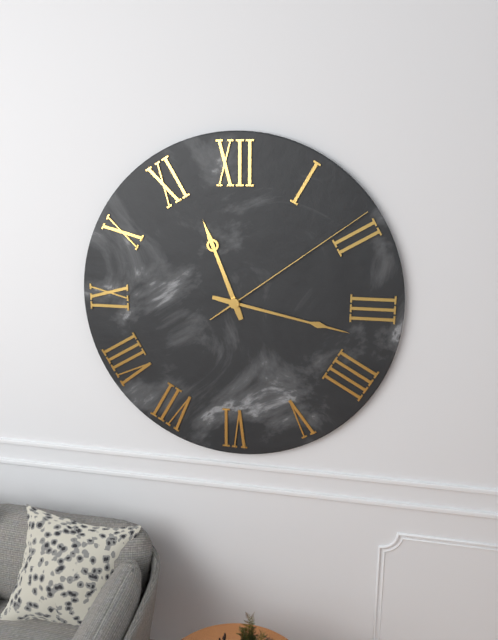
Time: {"hour": 11, "minute": 17, "second": 9}
